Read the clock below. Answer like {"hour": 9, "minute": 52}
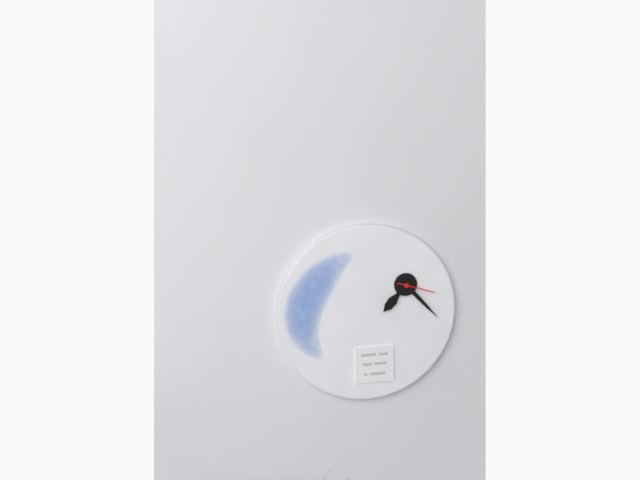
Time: {"hour": 7, "minute": 23}
